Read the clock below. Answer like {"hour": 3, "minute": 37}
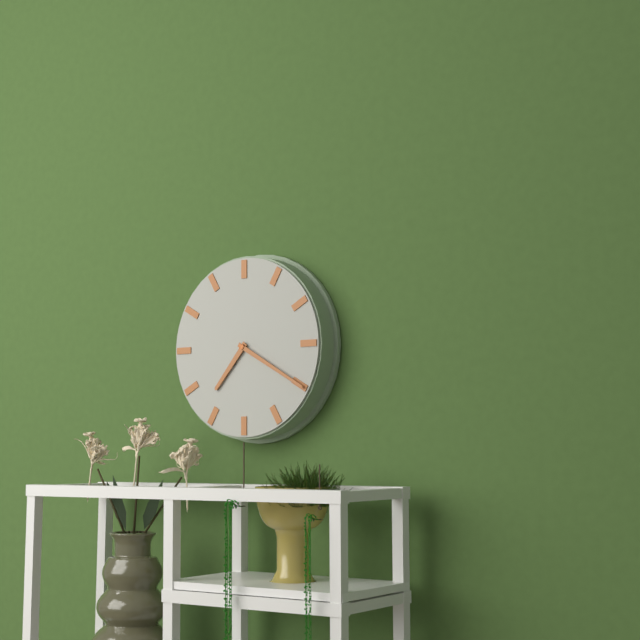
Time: {"hour": 7, "minute": 20}
